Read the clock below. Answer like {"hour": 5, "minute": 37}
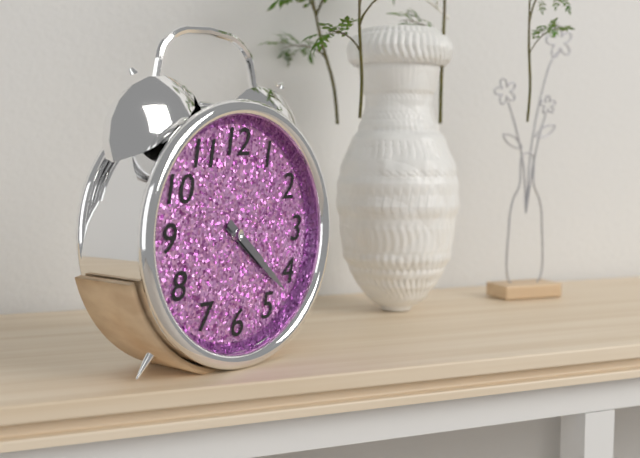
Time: {"hour": 4, "minute": 22}
